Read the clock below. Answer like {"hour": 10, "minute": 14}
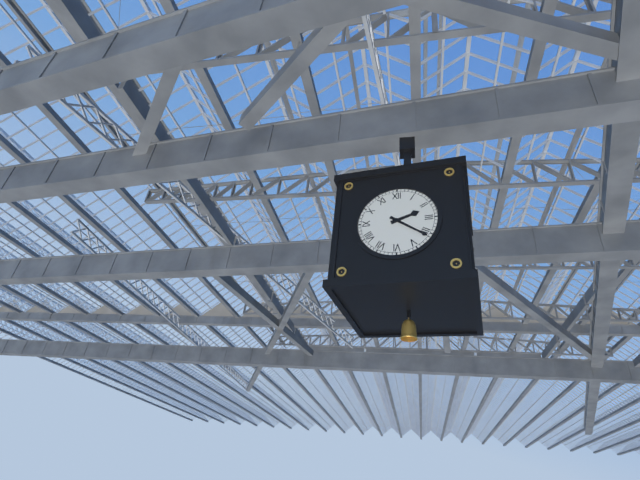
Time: {"hour": 2, "minute": 21}
